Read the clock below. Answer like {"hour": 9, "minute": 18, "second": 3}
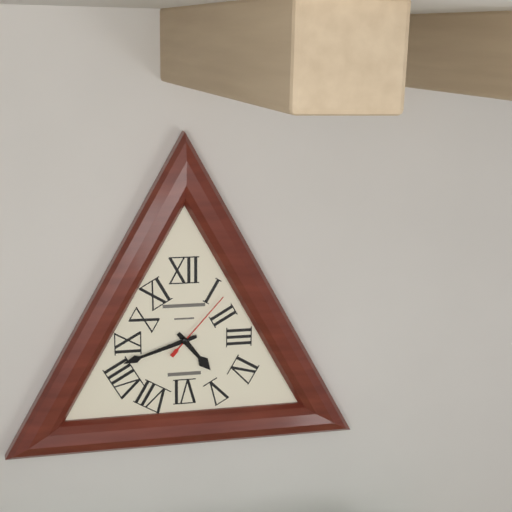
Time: {"hour": 4, "minute": 42, "second": 7}
